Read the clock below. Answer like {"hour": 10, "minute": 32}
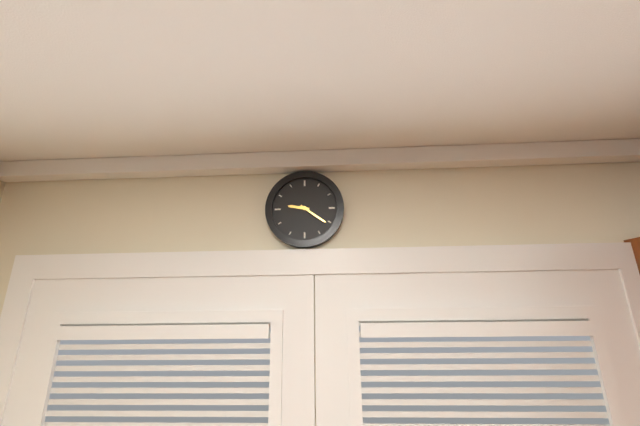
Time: {"hour": 9, "minute": 21}
